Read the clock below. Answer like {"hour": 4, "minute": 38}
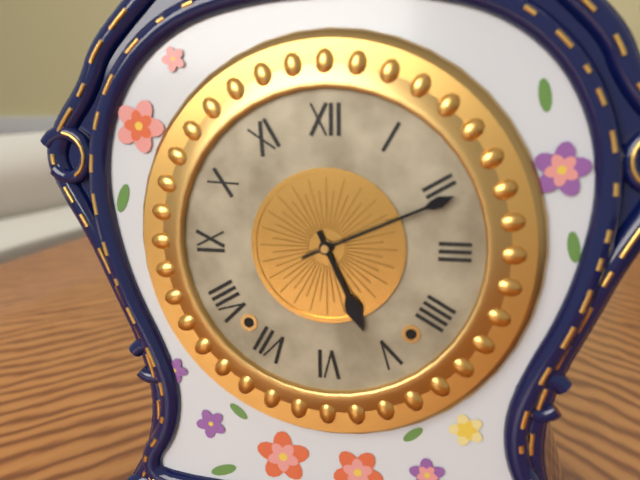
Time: {"hour": 5, "minute": 11}
